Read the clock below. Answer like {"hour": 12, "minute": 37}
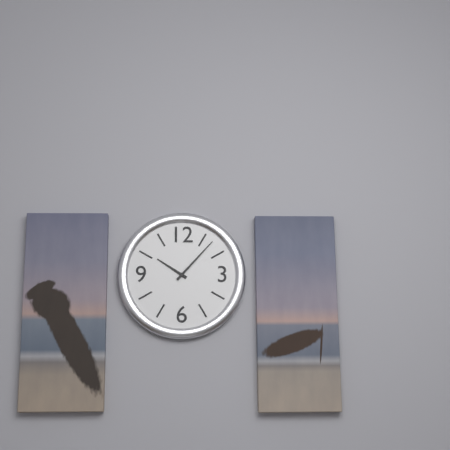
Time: {"hour": 10, "minute": 7}
